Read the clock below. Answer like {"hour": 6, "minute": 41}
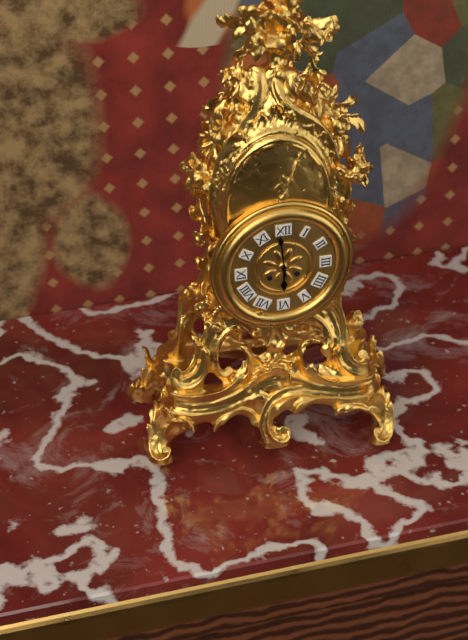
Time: {"hour": 5, "minute": 59}
